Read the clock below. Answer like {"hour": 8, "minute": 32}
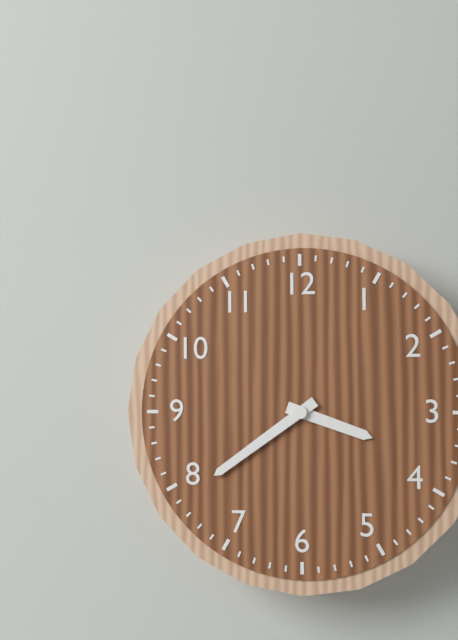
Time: {"hour": 3, "minute": 39}
